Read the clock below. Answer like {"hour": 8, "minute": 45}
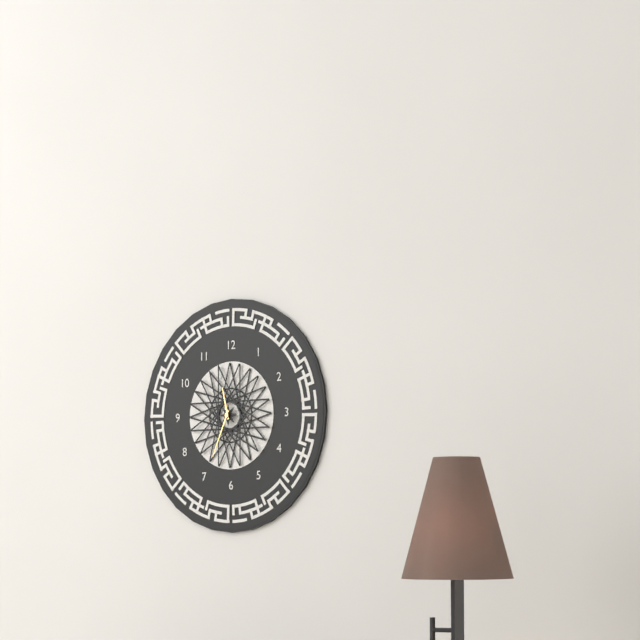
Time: {"hour": 11, "minute": 34}
